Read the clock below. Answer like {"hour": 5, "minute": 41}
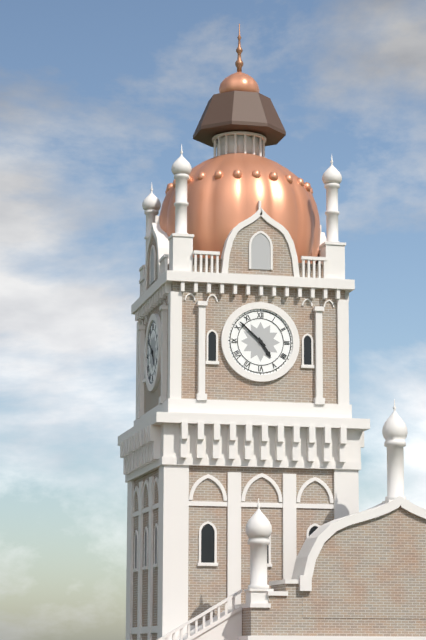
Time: {"hour": 4, "minute": 52}
